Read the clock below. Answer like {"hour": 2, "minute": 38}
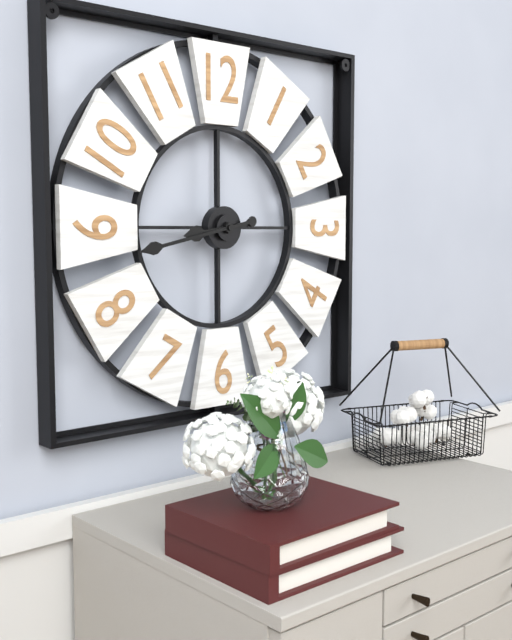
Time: {"hour": 8, "minute": 43}
